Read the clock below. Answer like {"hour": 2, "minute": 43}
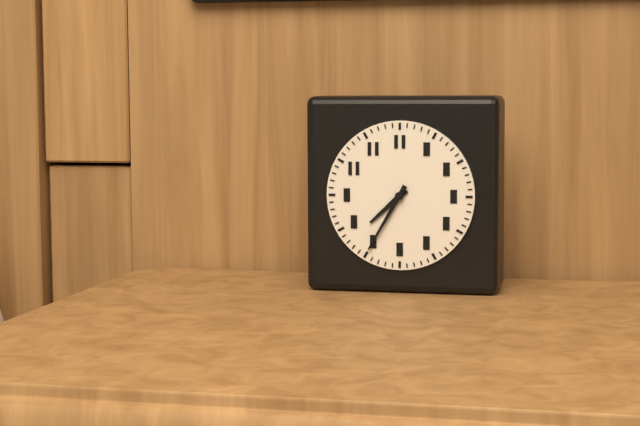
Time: {"hour": 7, "minute": 35}
